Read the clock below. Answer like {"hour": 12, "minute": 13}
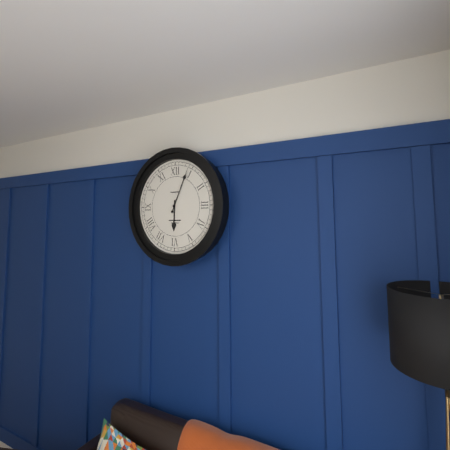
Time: {"hour": 6, "minute": 4}
